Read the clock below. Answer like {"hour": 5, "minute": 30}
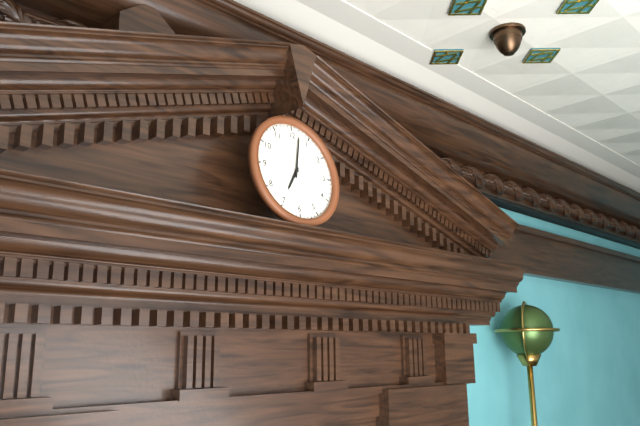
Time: {"hour": 7, "minute": 2}
